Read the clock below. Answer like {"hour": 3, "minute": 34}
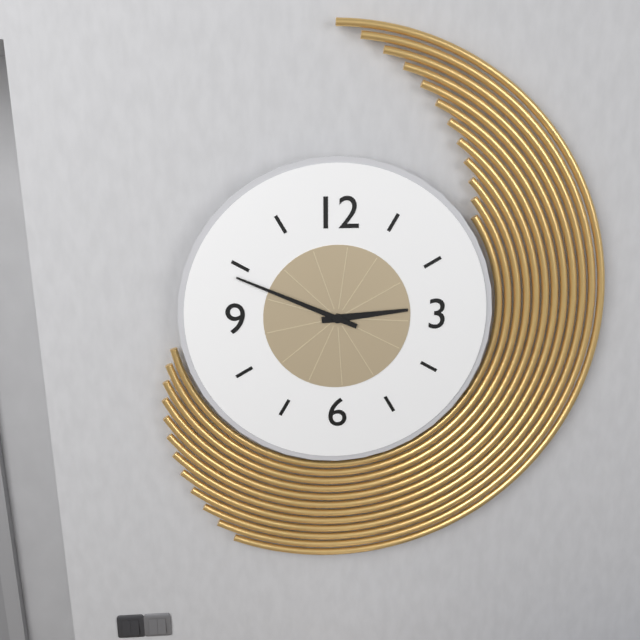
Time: {"hour": 2, "minute": 49}
